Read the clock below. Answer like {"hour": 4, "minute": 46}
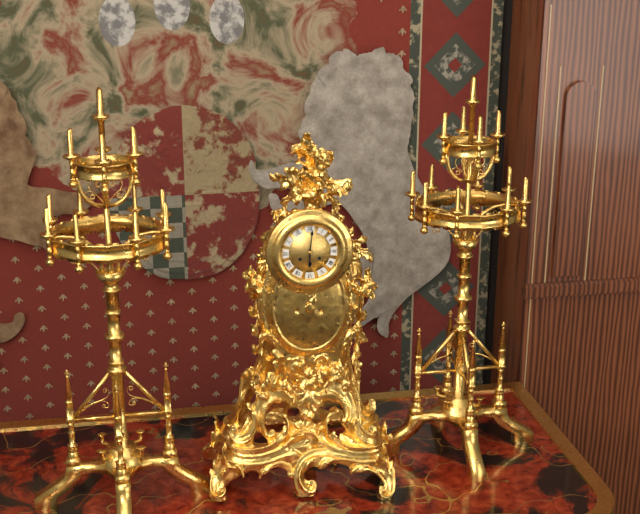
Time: {"hour": 6, "minute": 1}
